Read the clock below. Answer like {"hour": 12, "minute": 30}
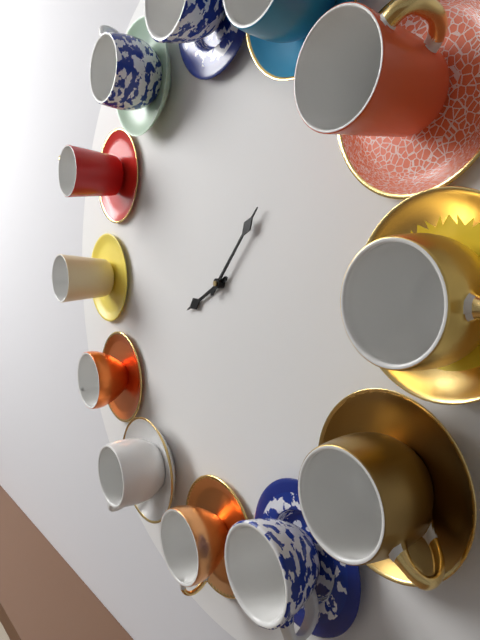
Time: {"hour": 8, "minute": 7}
